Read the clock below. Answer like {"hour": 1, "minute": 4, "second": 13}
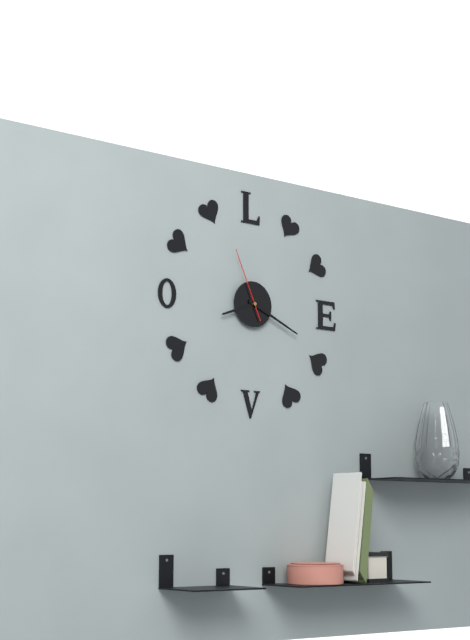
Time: {"hour": 8, "minute": 19, "second": 56}
